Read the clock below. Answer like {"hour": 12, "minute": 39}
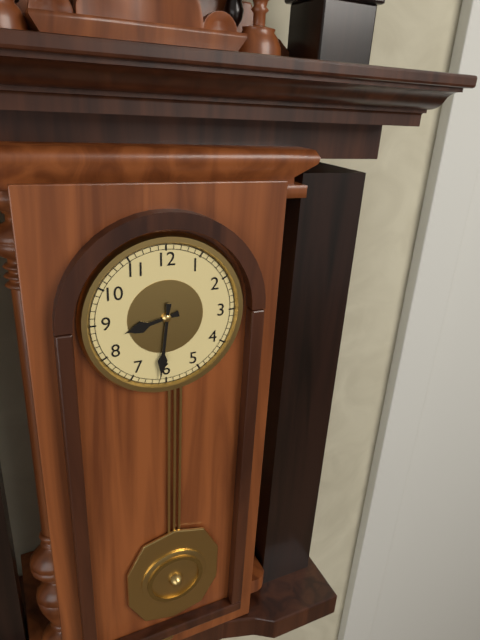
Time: {"hour": 8, "minute": 31}
